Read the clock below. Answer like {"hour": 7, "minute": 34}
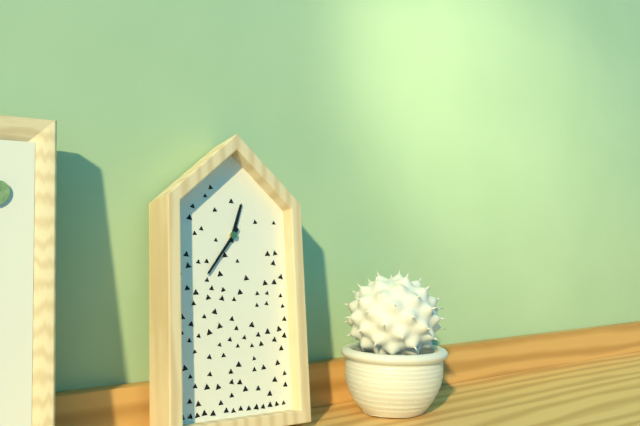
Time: {"hour": 12, "minute": 36}
